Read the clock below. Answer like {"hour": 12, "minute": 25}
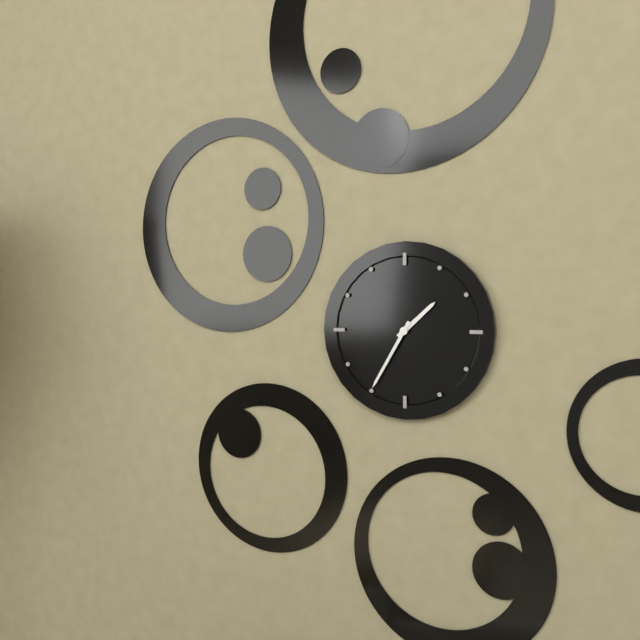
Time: {"hour": 1, "minute": 35}
